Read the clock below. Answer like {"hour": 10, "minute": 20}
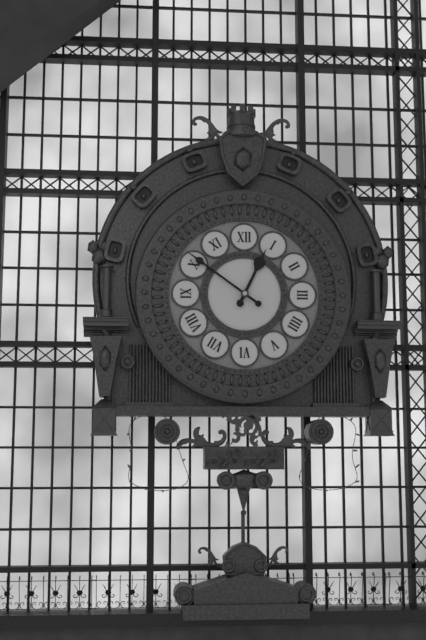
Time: {"hour": 12, "minute": 51}
